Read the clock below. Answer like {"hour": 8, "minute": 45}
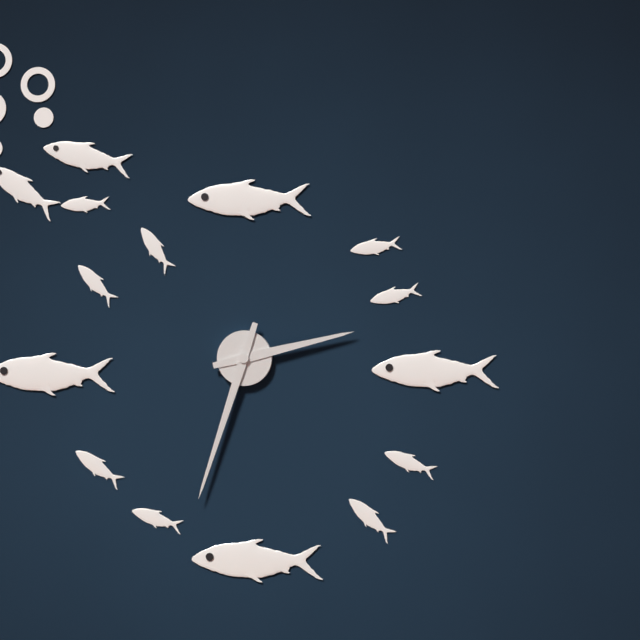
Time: {"hour": 2, "minute": 33}
